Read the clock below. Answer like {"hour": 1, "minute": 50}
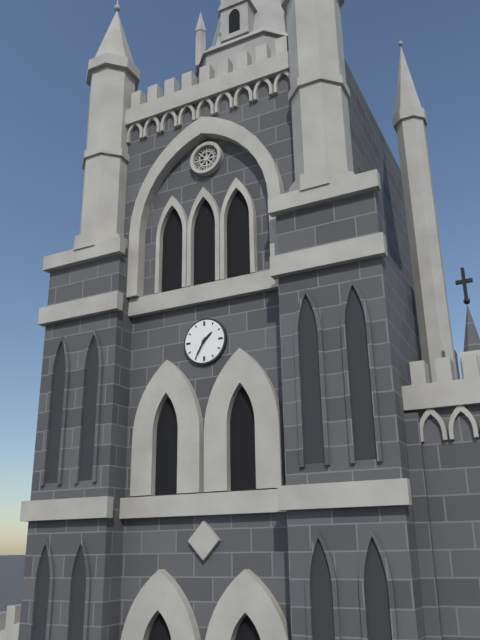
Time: {"hour": 1, "minute": 35}
